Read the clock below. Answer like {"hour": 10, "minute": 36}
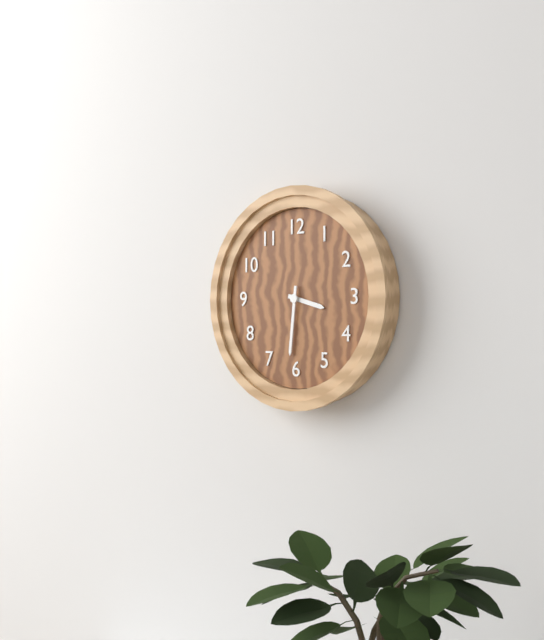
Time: {"hour": 3, "minute": 31}
